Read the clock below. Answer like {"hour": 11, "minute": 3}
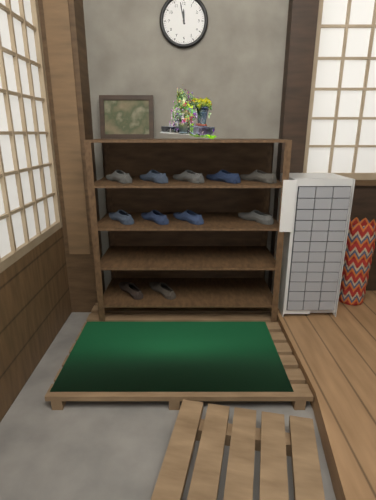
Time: {"hour": 11, "minute": 58}
